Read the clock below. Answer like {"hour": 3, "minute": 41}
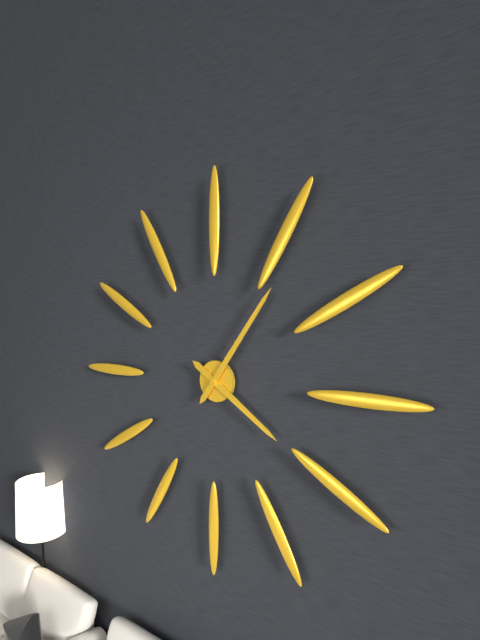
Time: {"hour": 4, "minute": 6}
